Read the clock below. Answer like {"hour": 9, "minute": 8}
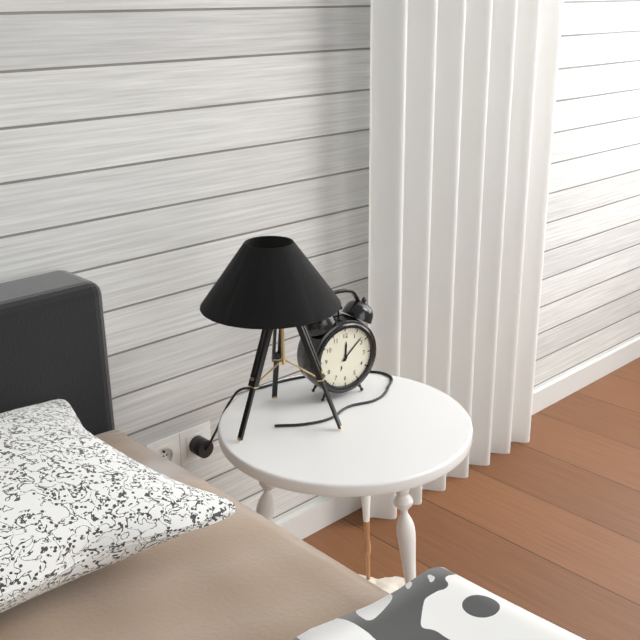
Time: {"hour": 12, "minute": 8}
